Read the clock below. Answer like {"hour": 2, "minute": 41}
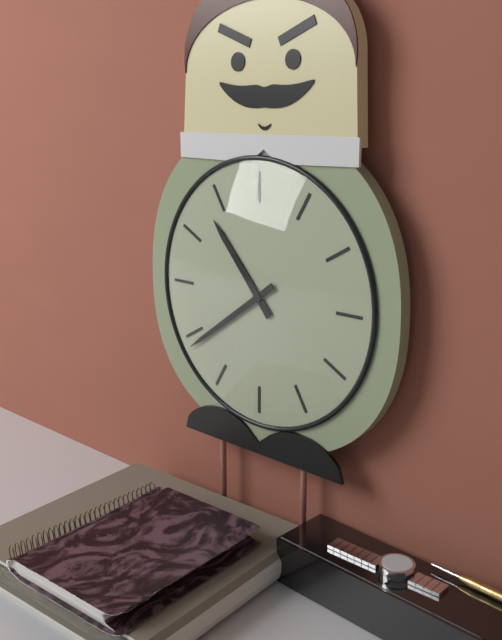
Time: {"hour": 10, "minute": 39}
